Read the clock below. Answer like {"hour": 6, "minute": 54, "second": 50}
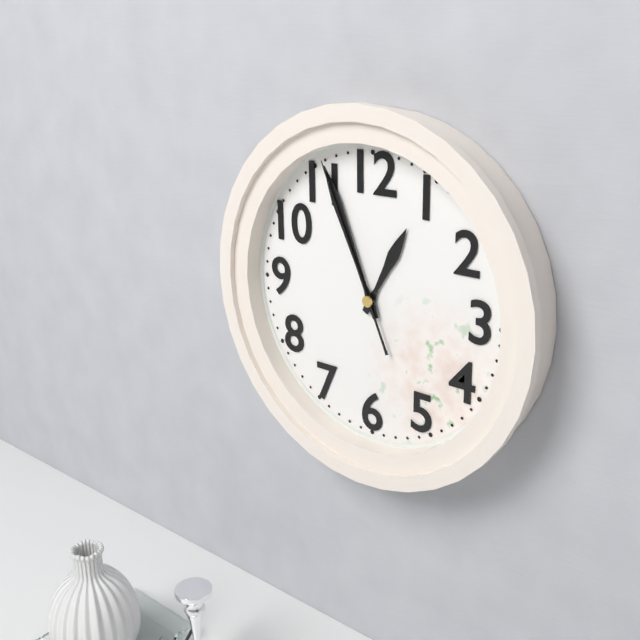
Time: {"hour": 12, "minute": 56, "second": 56}
